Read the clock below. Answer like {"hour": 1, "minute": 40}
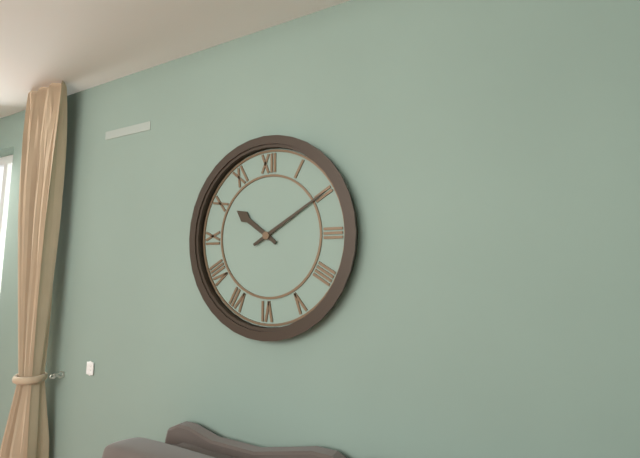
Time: {"hour": 10, "minute": 10}
